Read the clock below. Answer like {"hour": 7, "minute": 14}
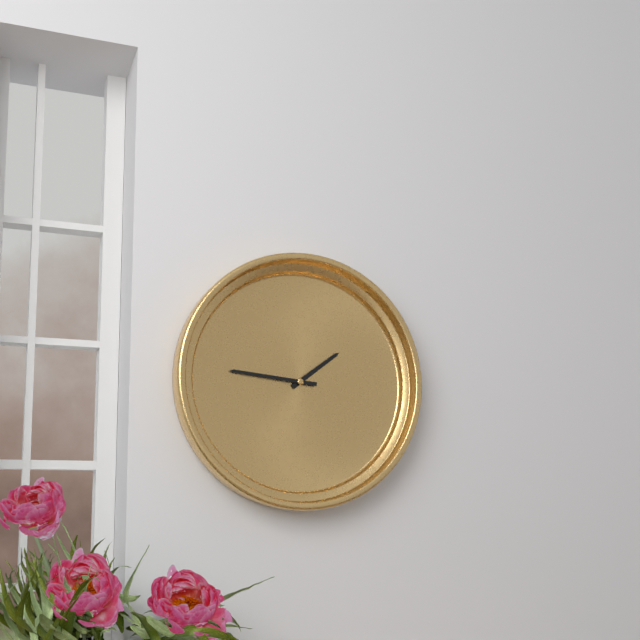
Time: {"hour": 1, "minute": 46}
